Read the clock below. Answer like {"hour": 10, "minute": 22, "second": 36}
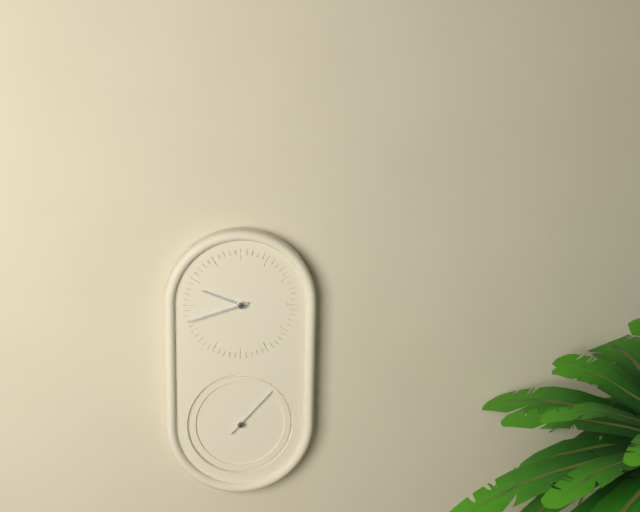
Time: {"hour": 9, "minute": 42, "second": 7}
